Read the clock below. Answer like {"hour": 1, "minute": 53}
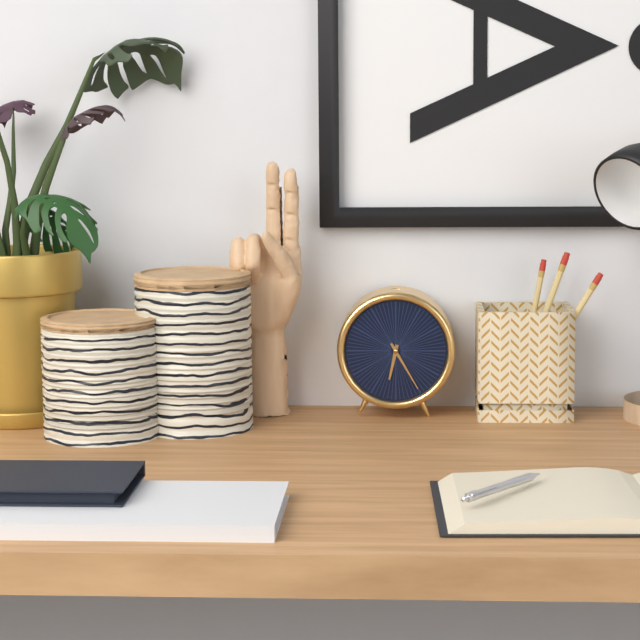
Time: {"hour": 6, "minute": 25}
